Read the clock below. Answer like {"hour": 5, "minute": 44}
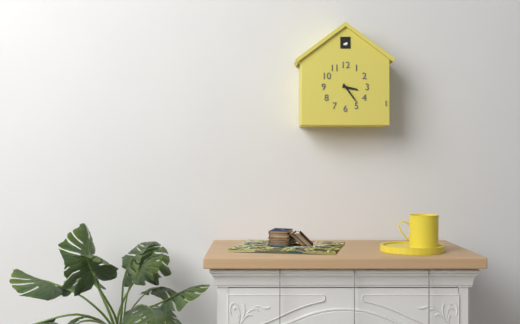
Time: {"hour": 3, "minute": 24}
